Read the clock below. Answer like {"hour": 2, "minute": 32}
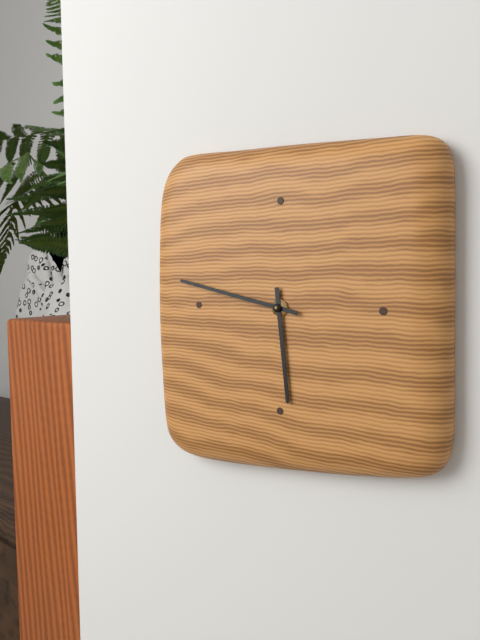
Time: {"hour": 5, "minute": 47}
